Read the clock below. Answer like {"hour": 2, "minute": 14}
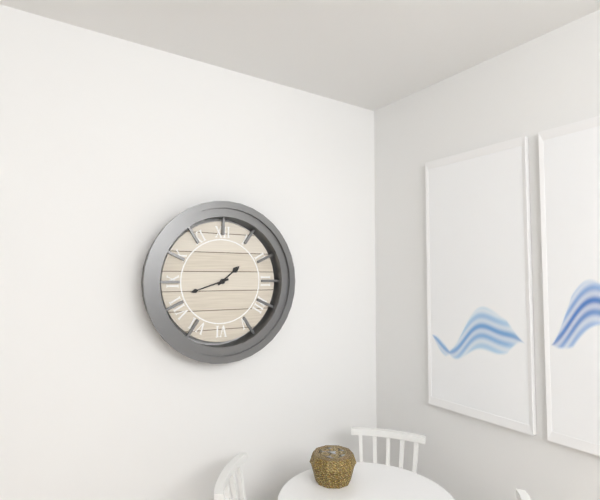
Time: {"hour": 1, "minute": 42}
